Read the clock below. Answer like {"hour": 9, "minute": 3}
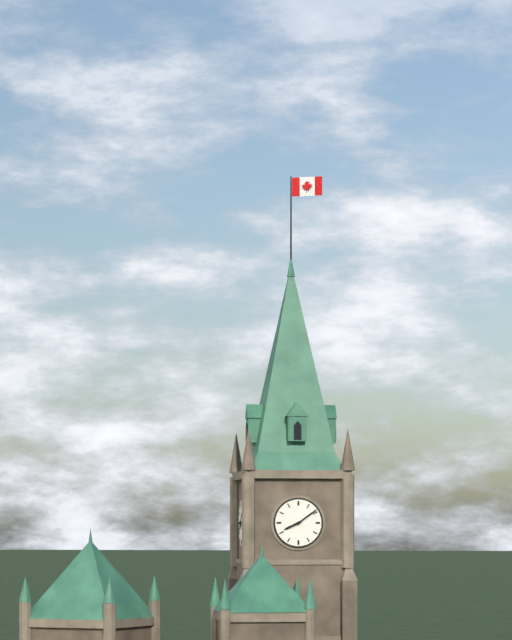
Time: {"hour": 8, "minute": 9}
